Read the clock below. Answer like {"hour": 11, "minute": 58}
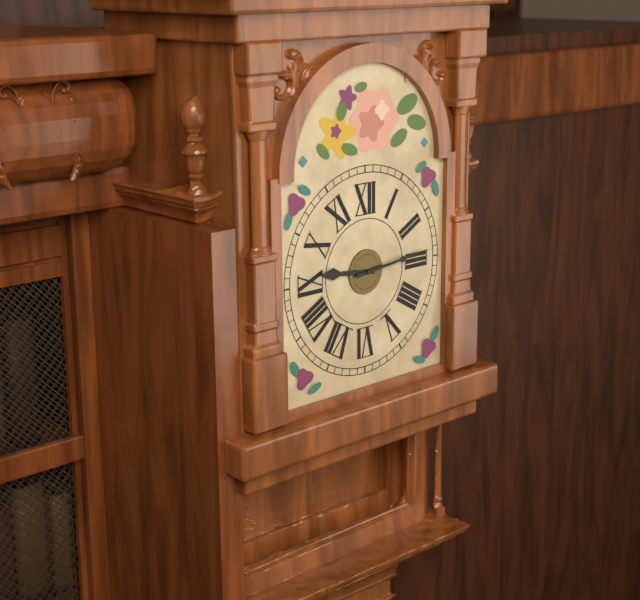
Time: {"hour": 9, "minute": 14}
